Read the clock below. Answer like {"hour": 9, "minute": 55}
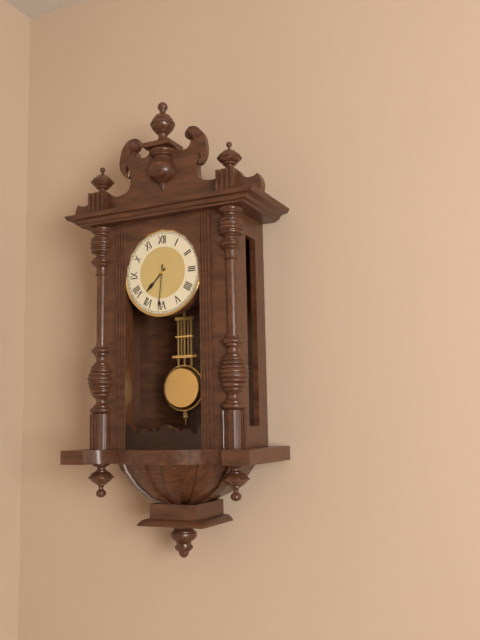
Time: {"hour": 7, "minute": 31}
